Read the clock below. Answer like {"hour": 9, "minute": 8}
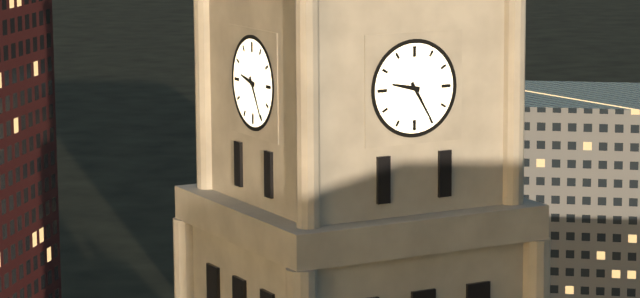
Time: {"hour": 9, "minute": 25}
